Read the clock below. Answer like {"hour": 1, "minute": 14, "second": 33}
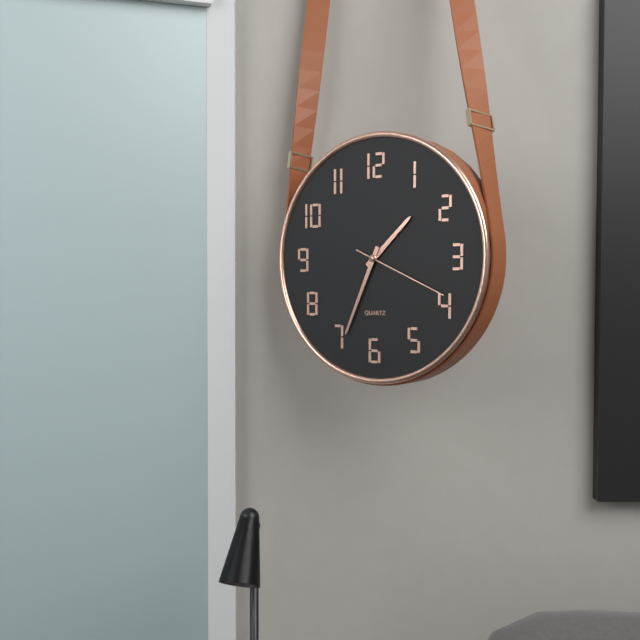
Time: {"hour": 1, "minute": 34, "second": 19}
